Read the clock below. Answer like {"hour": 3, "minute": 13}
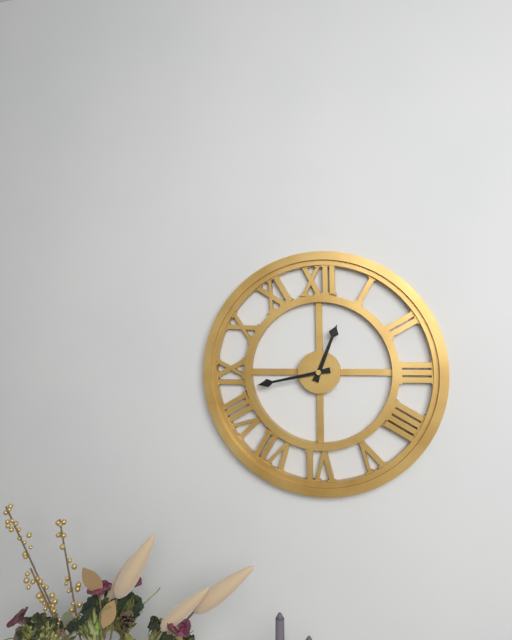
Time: {"hour": 12, "minute": 43}
